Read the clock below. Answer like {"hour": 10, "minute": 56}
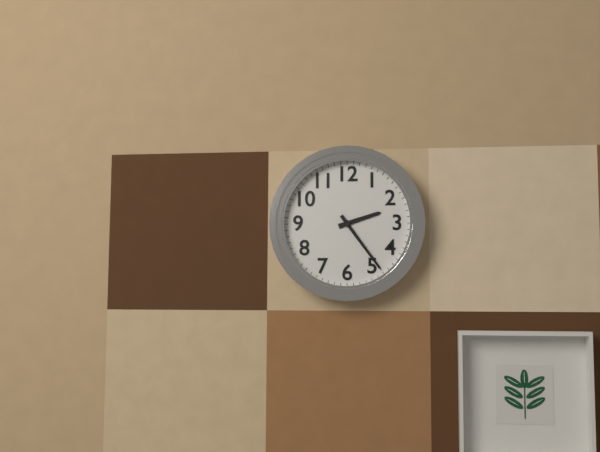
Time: {"hour": 2, "minute": 24}
